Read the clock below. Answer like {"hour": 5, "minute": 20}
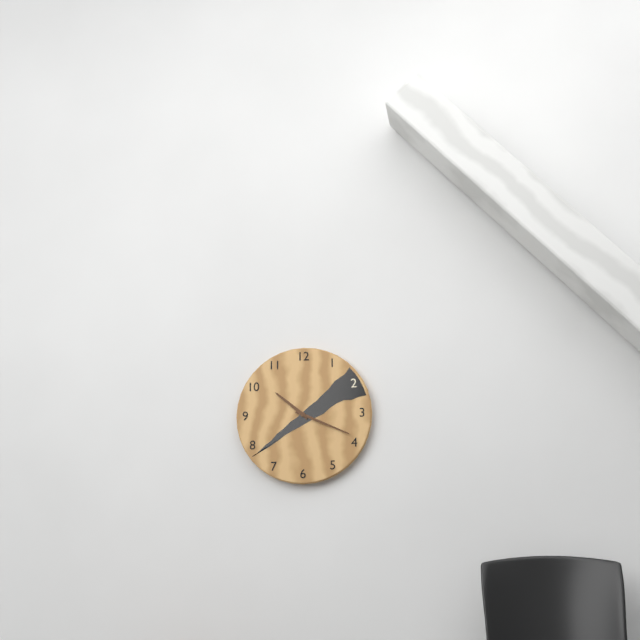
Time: {"hour": 10, "minute": 19}
